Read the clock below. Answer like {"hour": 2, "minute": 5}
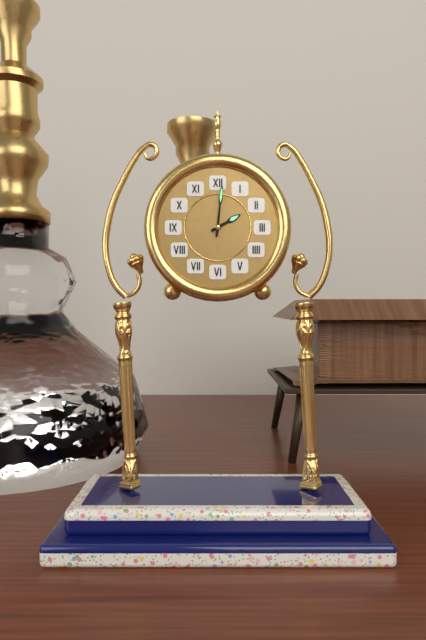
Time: {"hour": 2, "minute": 1}
